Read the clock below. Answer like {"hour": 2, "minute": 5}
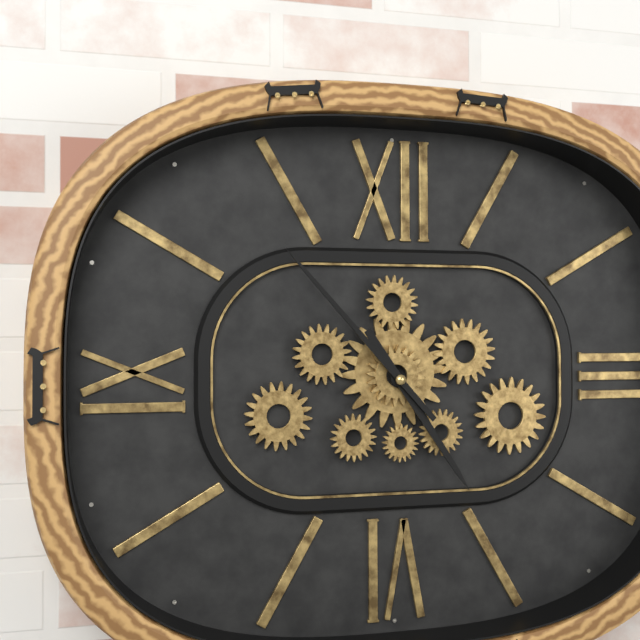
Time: {"hour": 4, "minute": 53}
